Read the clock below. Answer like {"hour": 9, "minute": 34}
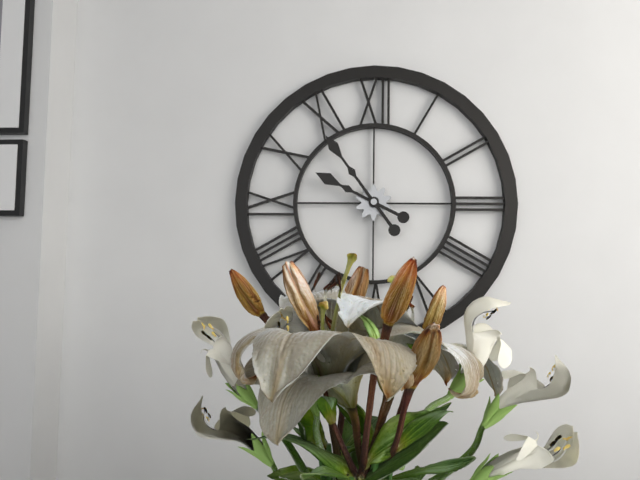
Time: {"hour": 9, "minute": 54}
